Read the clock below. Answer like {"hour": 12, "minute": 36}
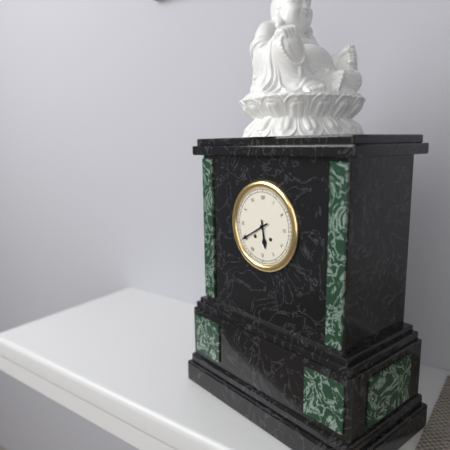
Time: {"hour": 5, "minute": 40}
